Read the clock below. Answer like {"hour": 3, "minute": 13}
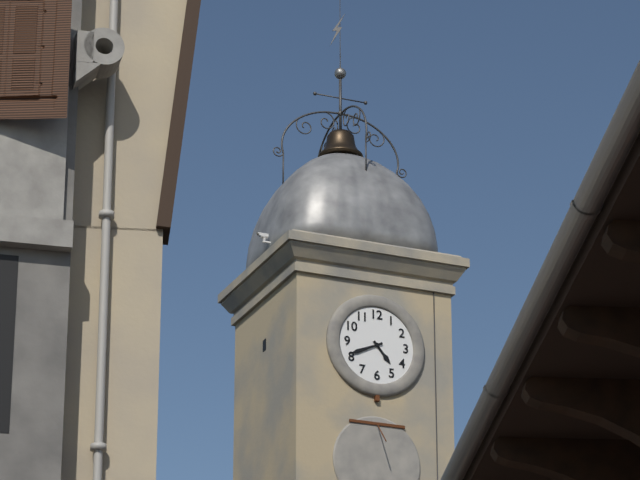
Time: {"hour": 4, "minute": 41}
